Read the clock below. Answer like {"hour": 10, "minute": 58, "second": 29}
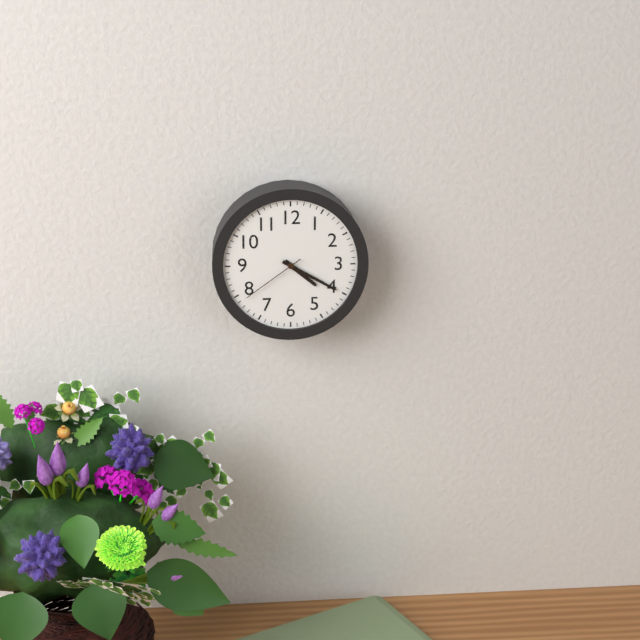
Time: {"hour": 4, "minute": 20, "second": 39}
